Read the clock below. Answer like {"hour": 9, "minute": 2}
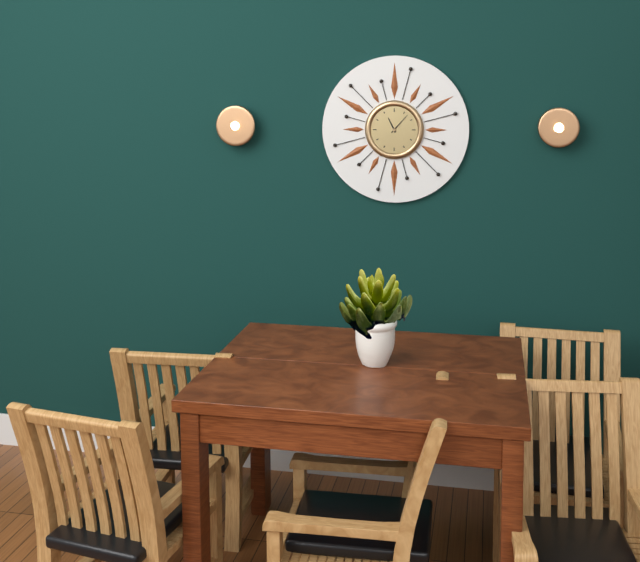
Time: {"hour": 11, "minute": 7}
